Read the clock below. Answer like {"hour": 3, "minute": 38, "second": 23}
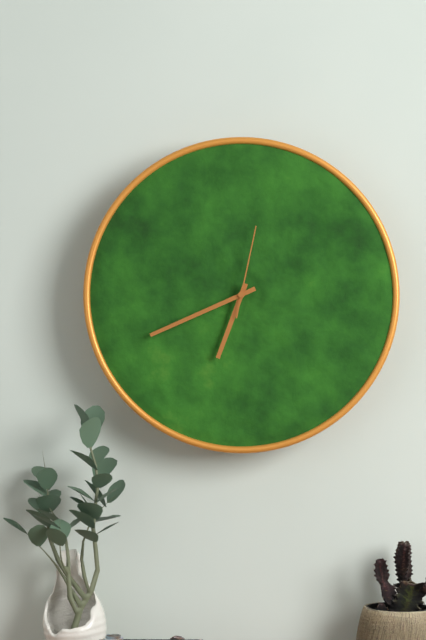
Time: {"hour": 6, "minute": 41, "second": 2}
